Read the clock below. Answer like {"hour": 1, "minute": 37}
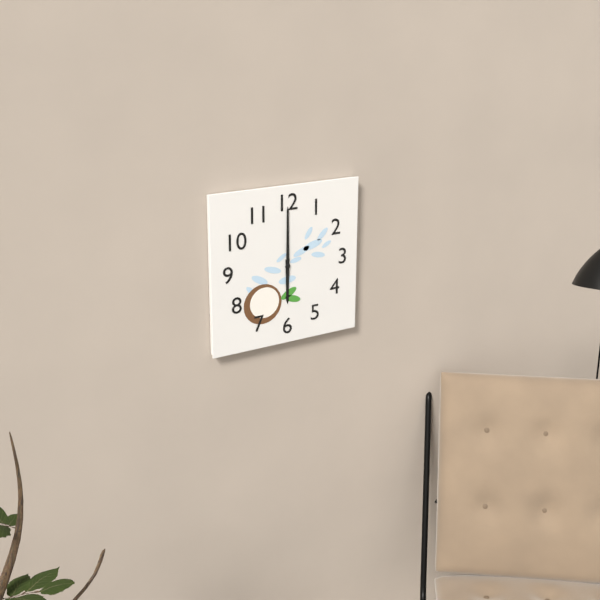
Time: {"hour": 6, "minute": 0}
